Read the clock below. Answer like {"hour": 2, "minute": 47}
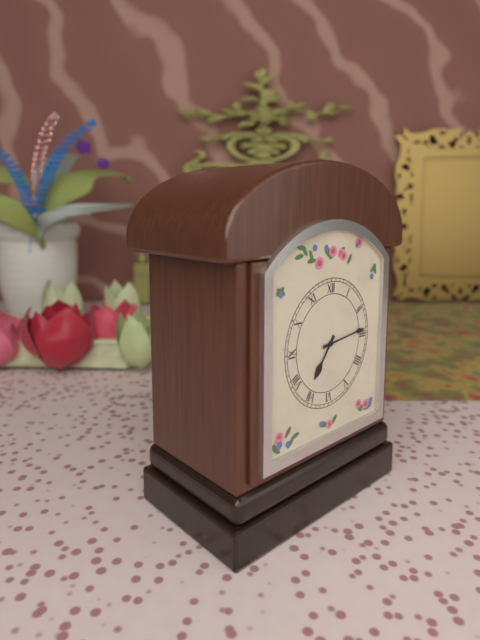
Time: {"hour": 7, "minute": 14}
